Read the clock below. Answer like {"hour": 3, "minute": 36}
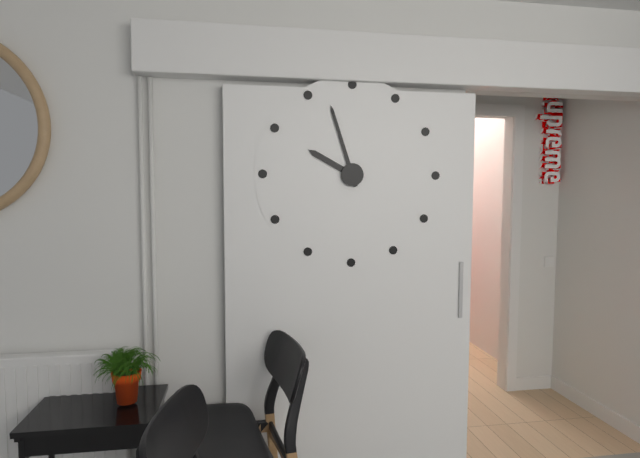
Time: {"hour": 9, "minute": 57}
